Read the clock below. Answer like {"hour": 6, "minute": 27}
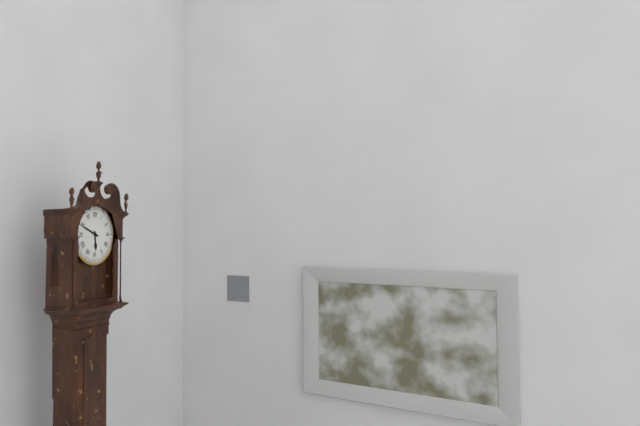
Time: {"hour": 5, "minute": 49}
